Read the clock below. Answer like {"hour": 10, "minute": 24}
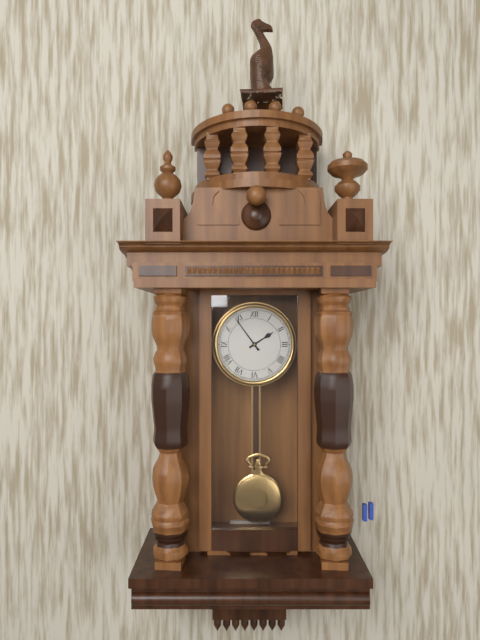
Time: {"hour": 1, "minute": 54}
